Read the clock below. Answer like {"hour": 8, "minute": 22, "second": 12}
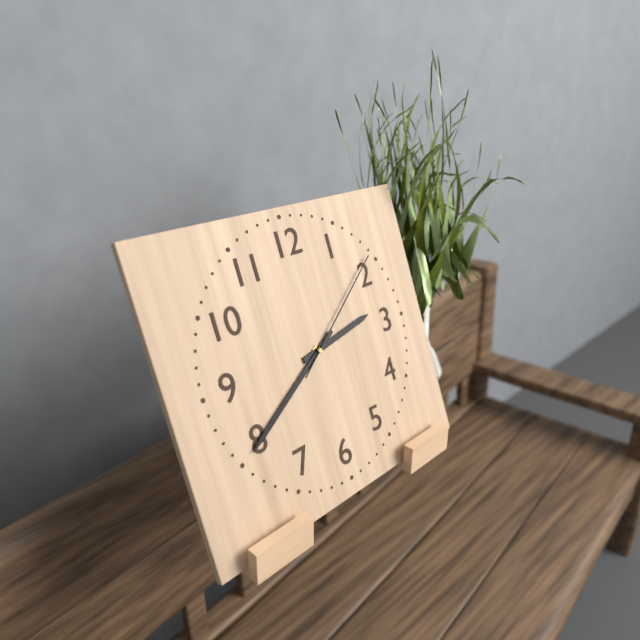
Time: {"hour": 2, "minute": 40, "second": 9}
